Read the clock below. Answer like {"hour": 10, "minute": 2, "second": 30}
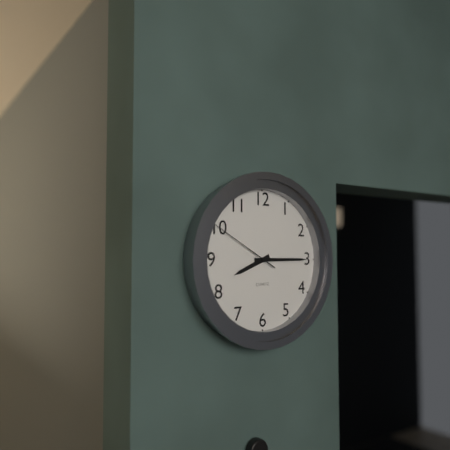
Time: {"hour": 8, "minute": 15, "second": 50}
